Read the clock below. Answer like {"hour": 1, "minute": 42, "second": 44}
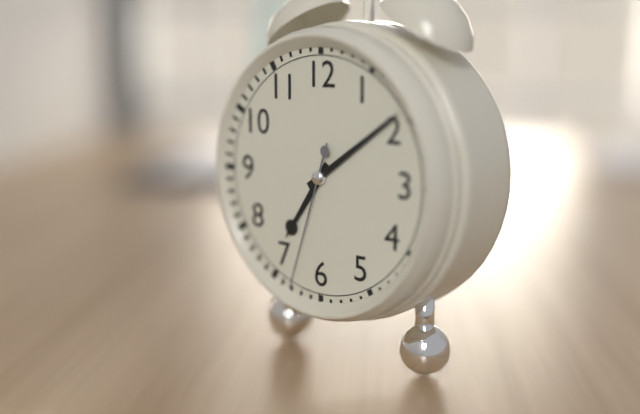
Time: {"hour": 7, "minute": 9, "second": 33}
